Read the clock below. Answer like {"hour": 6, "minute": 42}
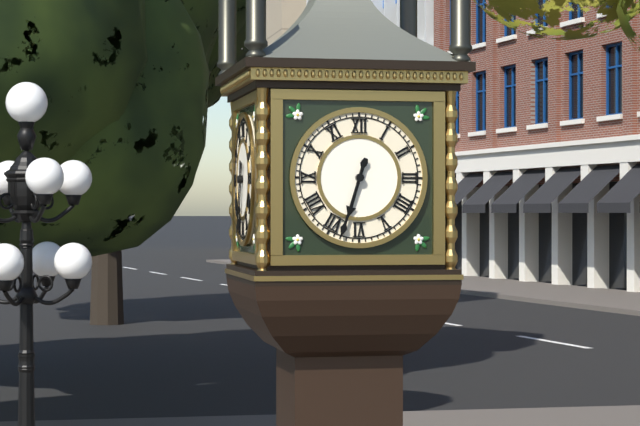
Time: {"hour": 6, "minute": 33}
